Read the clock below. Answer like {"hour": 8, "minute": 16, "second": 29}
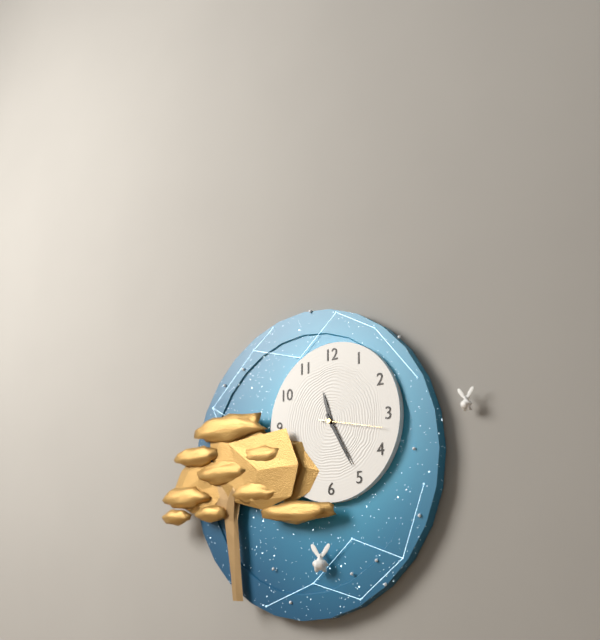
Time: {"hour": 11, "minute": 25, "second": 17}
